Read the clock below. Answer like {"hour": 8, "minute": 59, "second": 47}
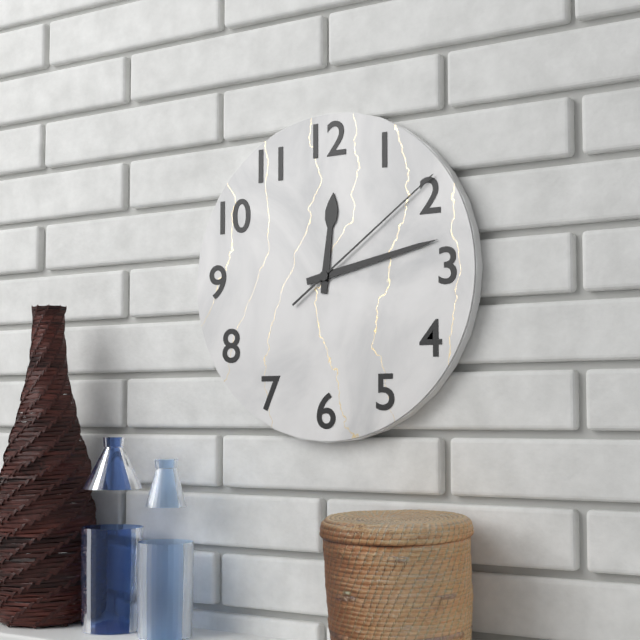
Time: {"hour": 12, "minute": 13, "second": 9}
